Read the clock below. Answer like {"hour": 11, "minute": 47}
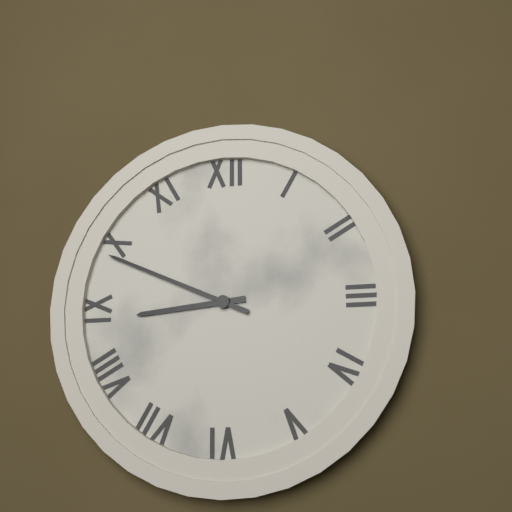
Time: {"hour": 8, "minute": 49}
